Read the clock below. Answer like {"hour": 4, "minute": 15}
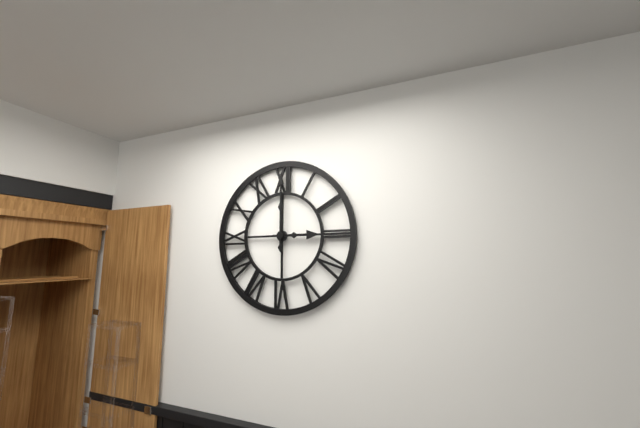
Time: {"hour": 3, "minute": 0}
